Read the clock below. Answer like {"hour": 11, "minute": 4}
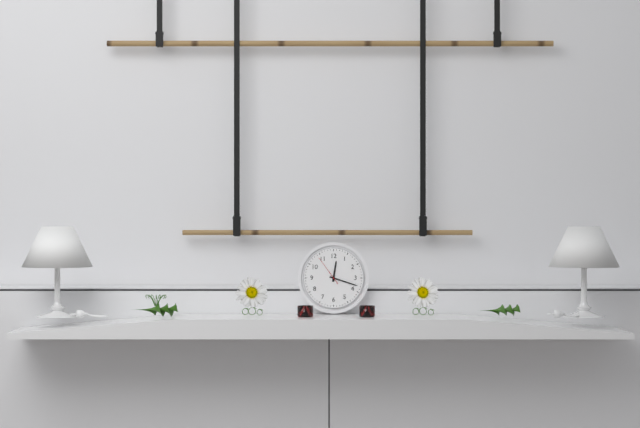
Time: {"hour": 12, "minute": 18}
